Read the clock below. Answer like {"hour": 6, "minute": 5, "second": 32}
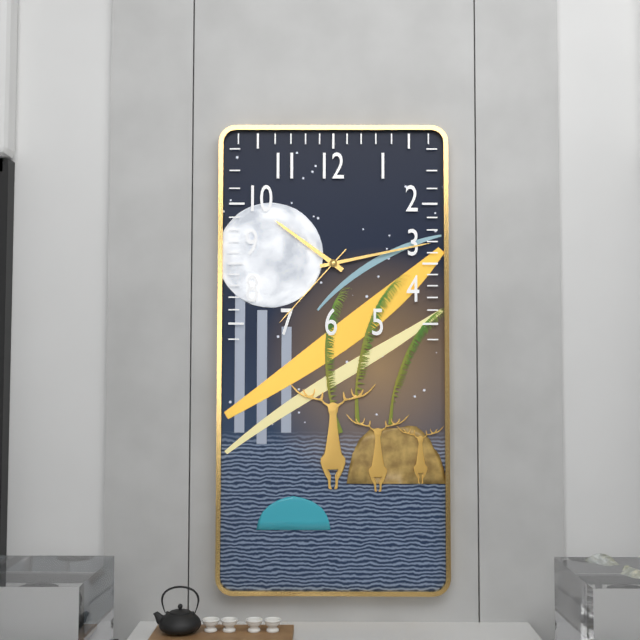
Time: {"hour": 10, "minute": 13, "second": 37}
